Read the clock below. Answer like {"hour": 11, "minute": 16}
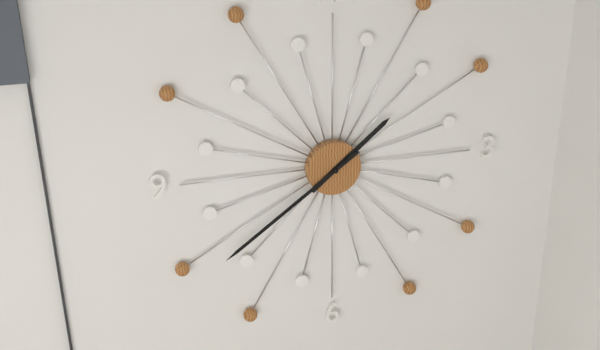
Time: {"hour": 1, "minute": 39}
